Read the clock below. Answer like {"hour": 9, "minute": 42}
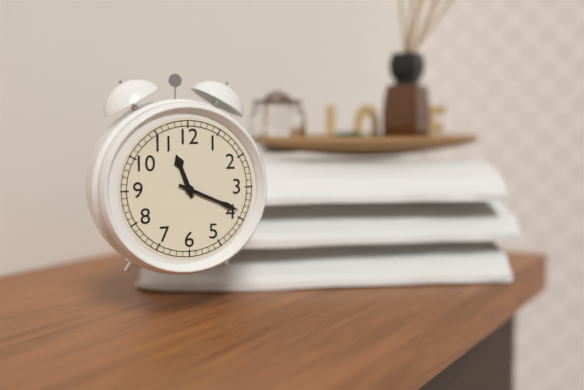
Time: {"hour": 11, "minute": 19}
